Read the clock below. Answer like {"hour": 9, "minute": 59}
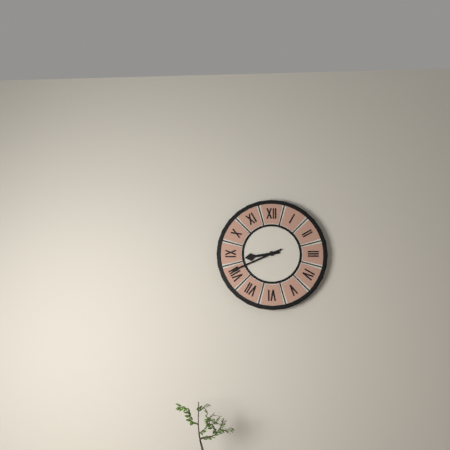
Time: {"hour": 8, "minute": 41}
